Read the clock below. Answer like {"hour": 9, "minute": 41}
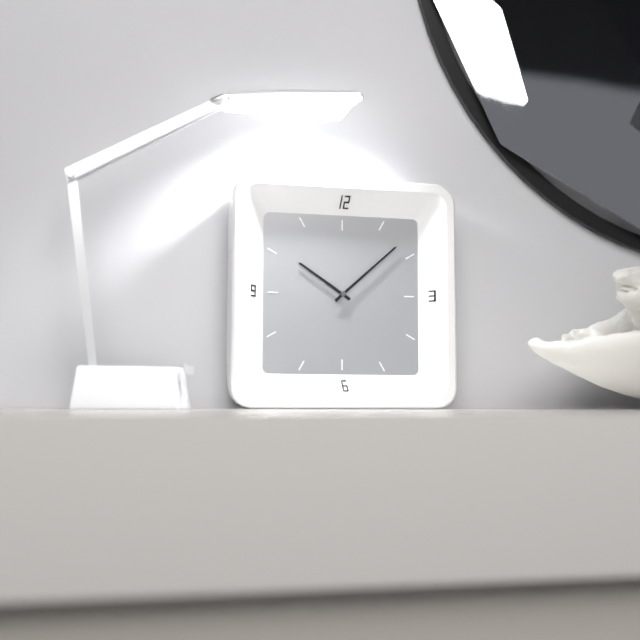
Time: {"hour": 10, "minute": 8}
